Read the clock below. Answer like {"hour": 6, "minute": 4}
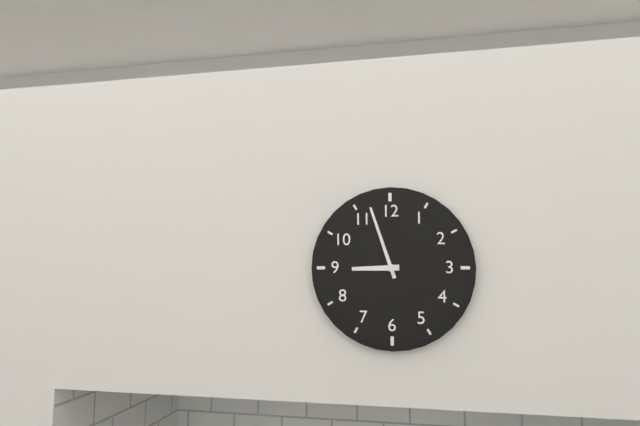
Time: {"hour": 8, "minute": 57}
